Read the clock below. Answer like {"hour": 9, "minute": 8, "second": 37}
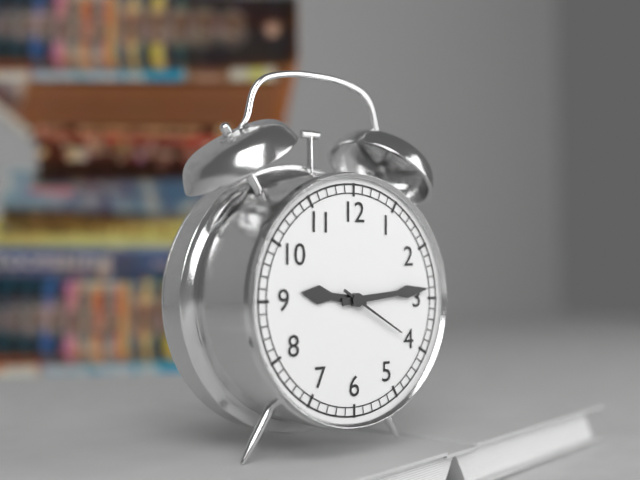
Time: {"hour": 9, "minute": 14, "second": 20}
